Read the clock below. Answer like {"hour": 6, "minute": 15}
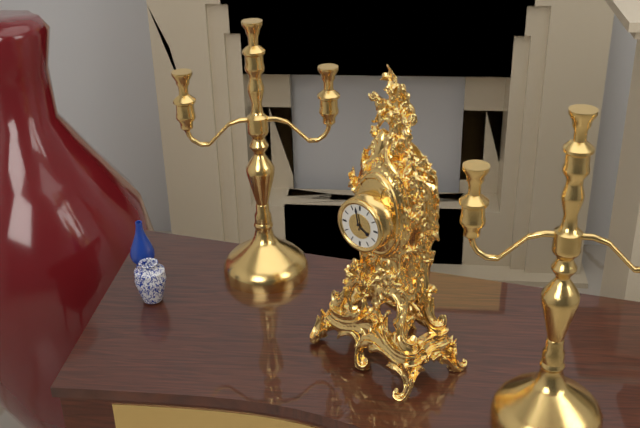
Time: {"hour": 3, "minute": 58}
